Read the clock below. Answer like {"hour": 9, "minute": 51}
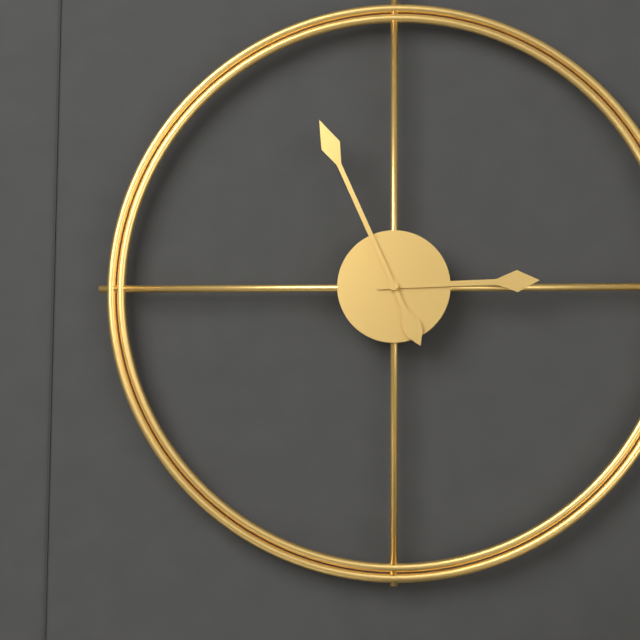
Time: {"hour": 2, "minute": 56}
